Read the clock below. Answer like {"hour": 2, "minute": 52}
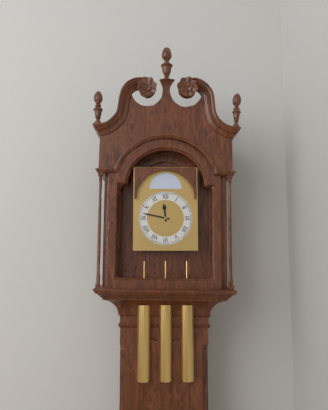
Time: {"hour": 11, "minute": 47}
